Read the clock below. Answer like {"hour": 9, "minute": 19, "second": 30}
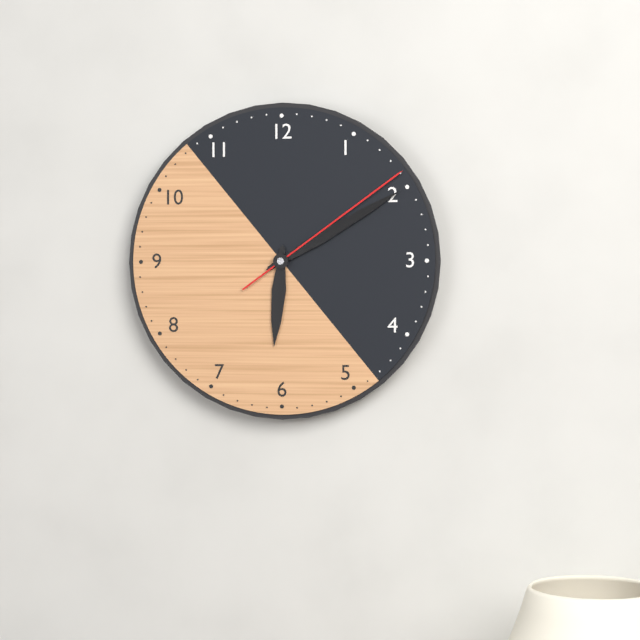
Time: {"hour": 6, "minute": 10, "second": 9}
